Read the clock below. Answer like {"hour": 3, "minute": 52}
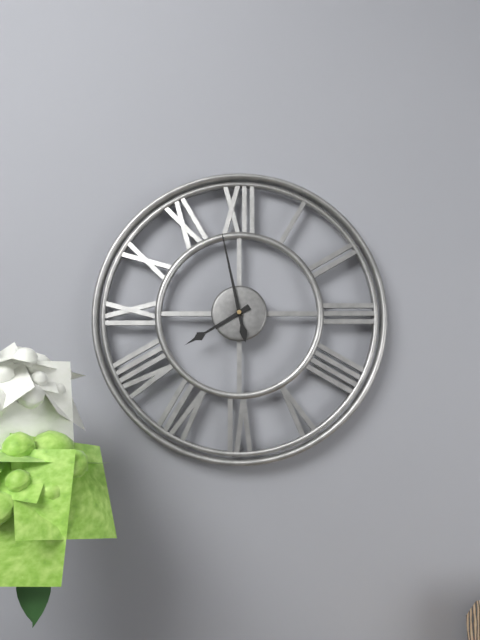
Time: {"hour": 7, "minute": 58}
